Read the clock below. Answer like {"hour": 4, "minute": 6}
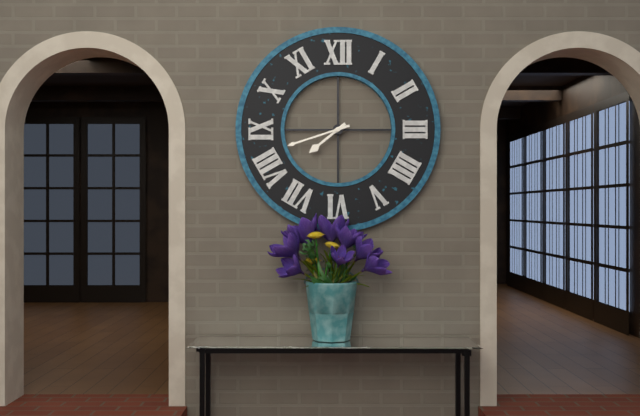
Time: {"hour": 7, "minute": 42}
